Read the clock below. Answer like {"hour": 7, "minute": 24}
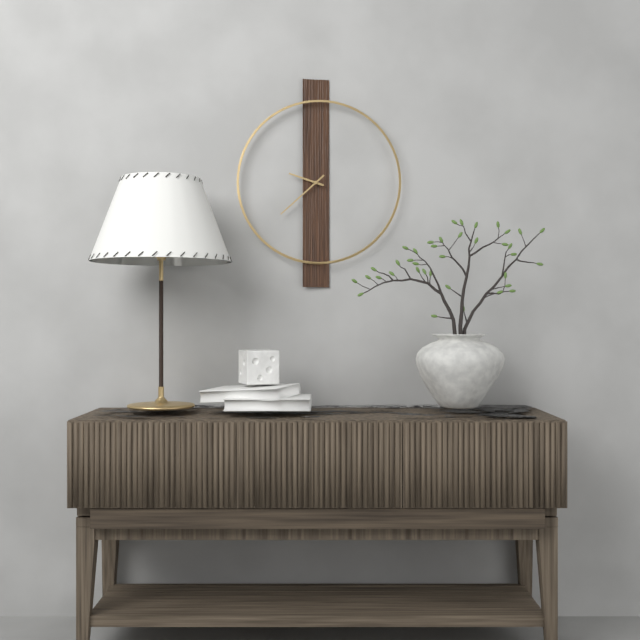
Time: {"hour": 9, "minute": 38}
